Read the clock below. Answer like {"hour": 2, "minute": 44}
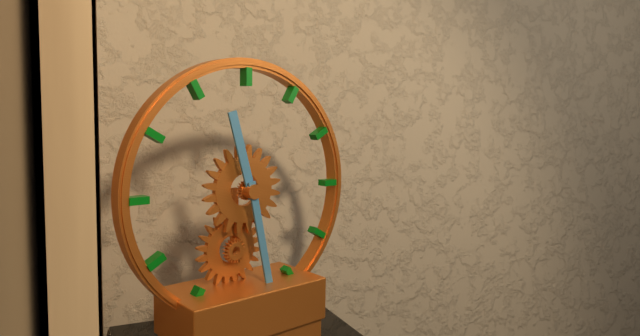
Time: {"hour": 11, "minute": 28}
